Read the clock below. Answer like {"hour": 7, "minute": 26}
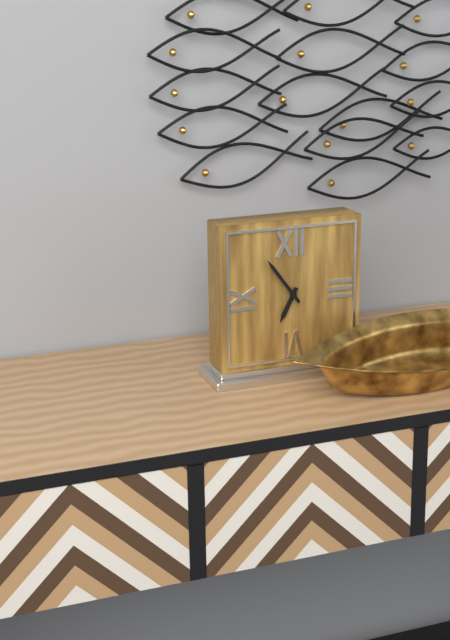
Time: {"hour": 6, "minute": 54}
